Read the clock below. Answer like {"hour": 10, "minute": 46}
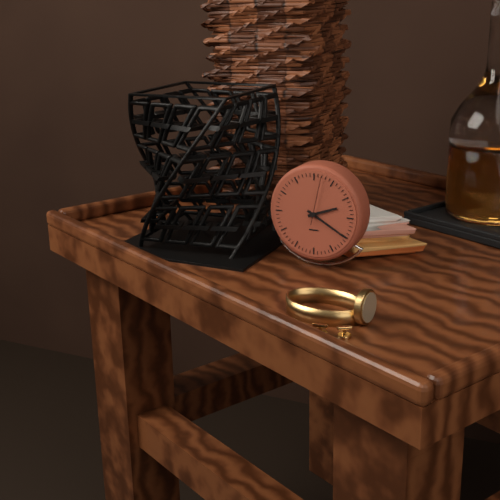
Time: {"hour": 2, "minute": 20}
